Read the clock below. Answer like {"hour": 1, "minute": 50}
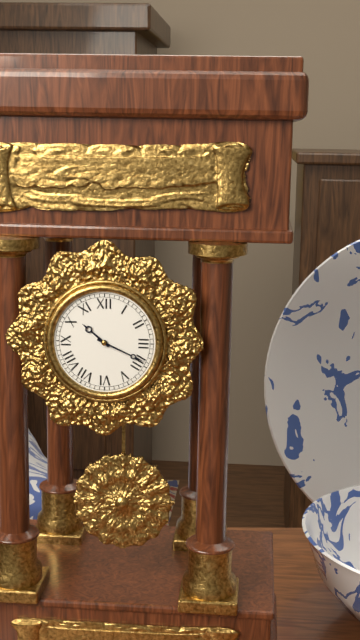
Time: {"hour": 10, "minute": 19}
